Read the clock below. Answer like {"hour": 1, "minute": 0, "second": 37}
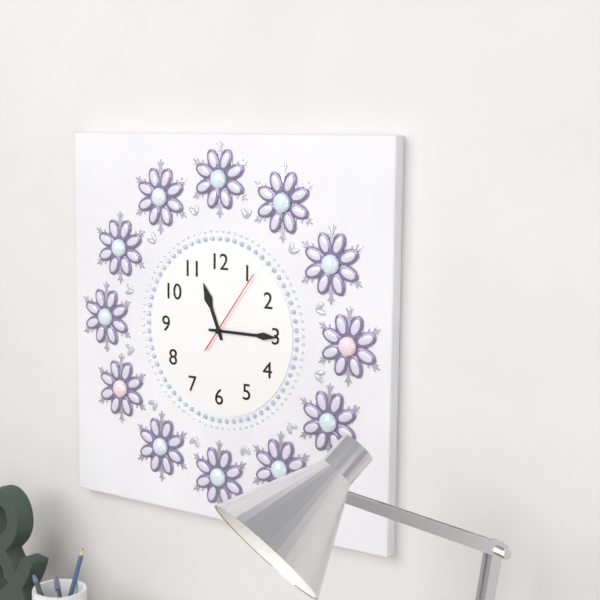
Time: {"hour": 11, "minute": 15, "second": 6}
